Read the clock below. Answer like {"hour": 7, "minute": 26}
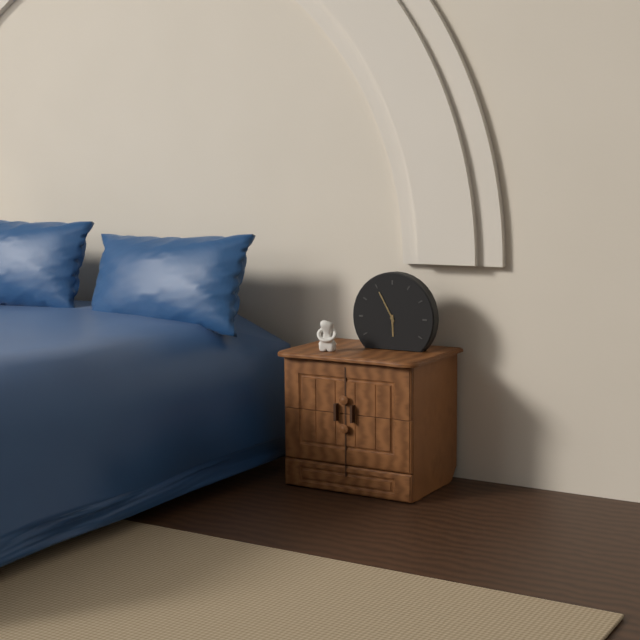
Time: {"hour": 5, "minute": 55}
